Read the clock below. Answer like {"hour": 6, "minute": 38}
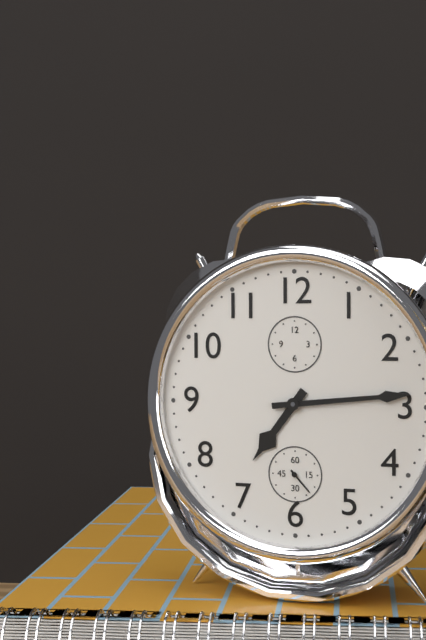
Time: {"hour": 7, "minute": 14}
